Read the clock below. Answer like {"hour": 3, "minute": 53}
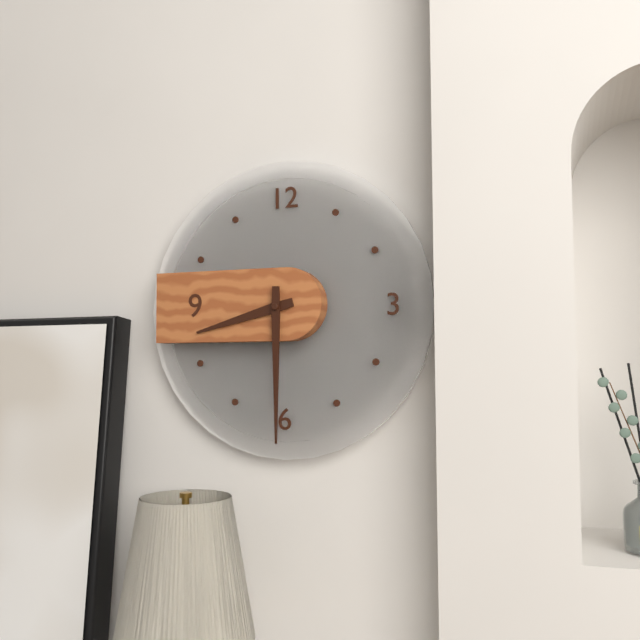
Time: {"hour": 8, "minute": 30}
